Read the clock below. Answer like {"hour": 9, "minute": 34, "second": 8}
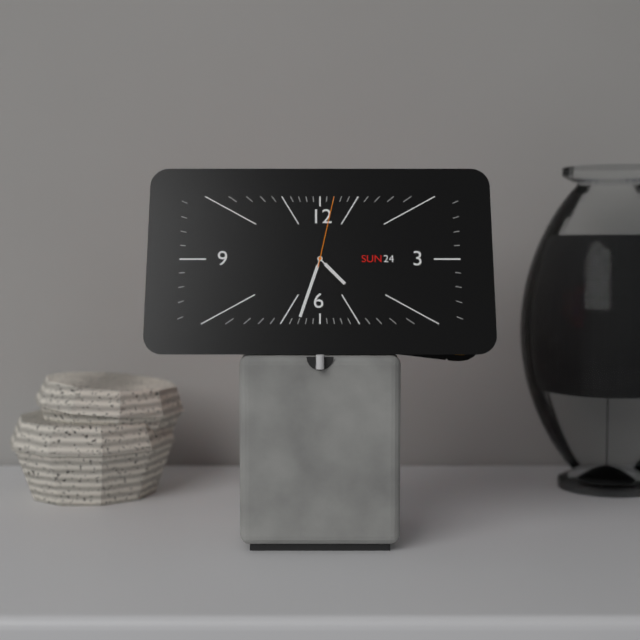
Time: {"hour": 4, "minute": 33, "second": 2}
